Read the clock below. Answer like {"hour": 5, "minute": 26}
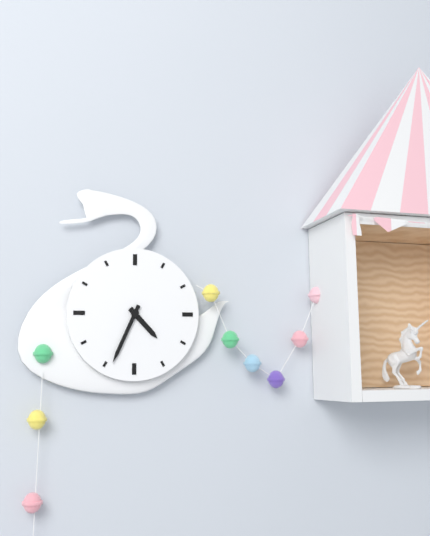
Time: {"hour": 4, "minute": 34}
